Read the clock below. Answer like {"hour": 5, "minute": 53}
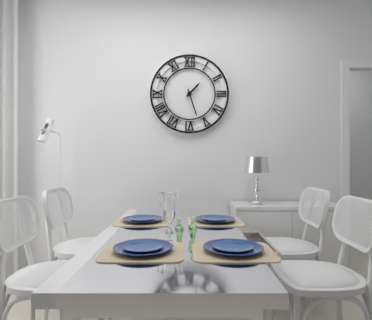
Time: {"hour": 1, "minute": 27}
